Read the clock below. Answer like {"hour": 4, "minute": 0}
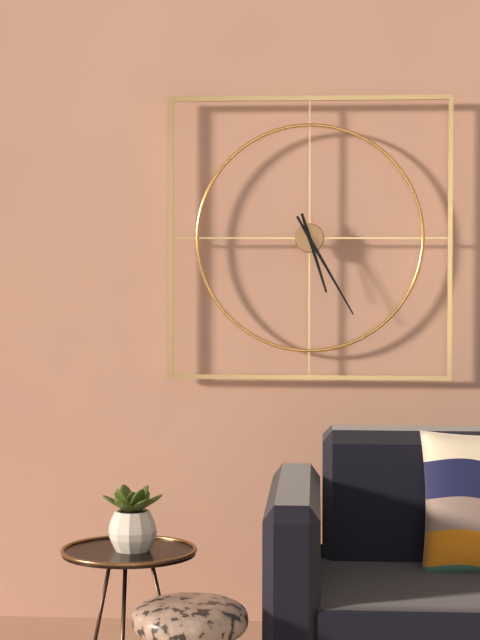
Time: {"hour": 5, "minute": 25}
